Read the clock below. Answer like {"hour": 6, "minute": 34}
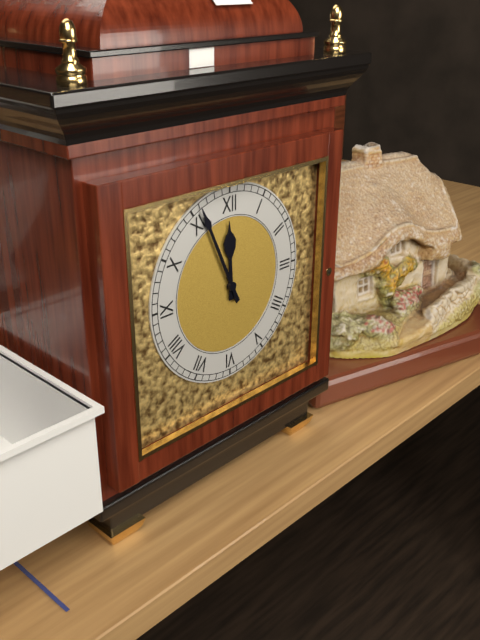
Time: {"hour": 11, "minute": 56}
